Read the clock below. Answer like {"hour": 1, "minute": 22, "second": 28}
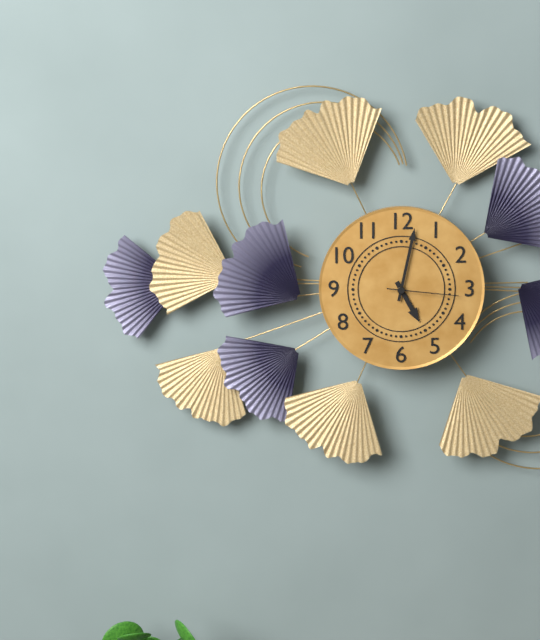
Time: {"hour": 5, "minute": 2, "second": 16}
